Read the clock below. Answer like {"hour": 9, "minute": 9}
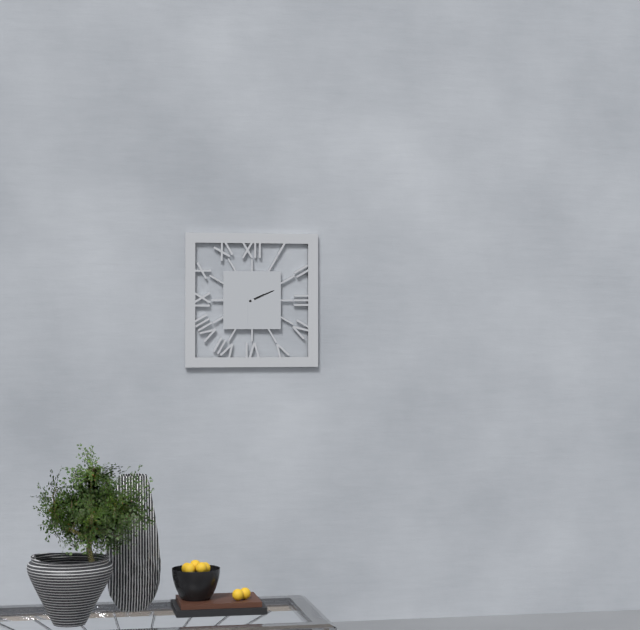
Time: {"hour": 2, "minute": 11}
